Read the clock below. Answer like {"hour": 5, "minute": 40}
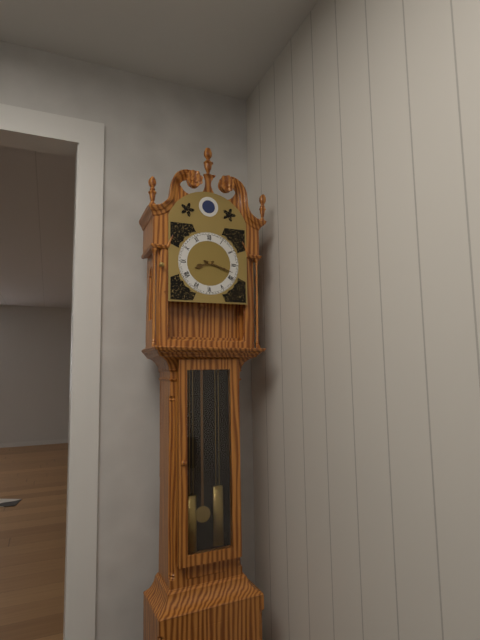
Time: {"hour": 8, "minute": 18}
